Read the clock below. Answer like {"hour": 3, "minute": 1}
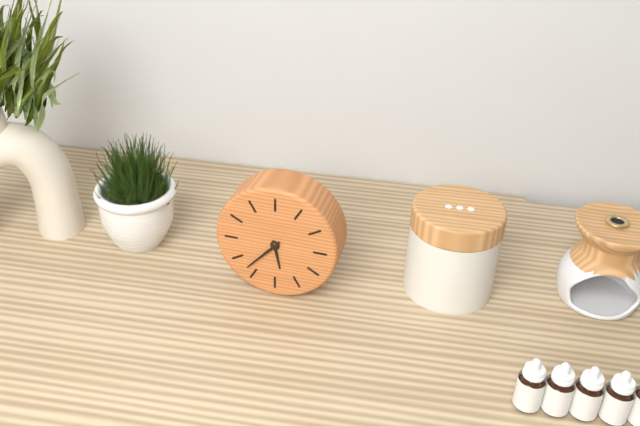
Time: {"hour": 5, "minute": 37}
